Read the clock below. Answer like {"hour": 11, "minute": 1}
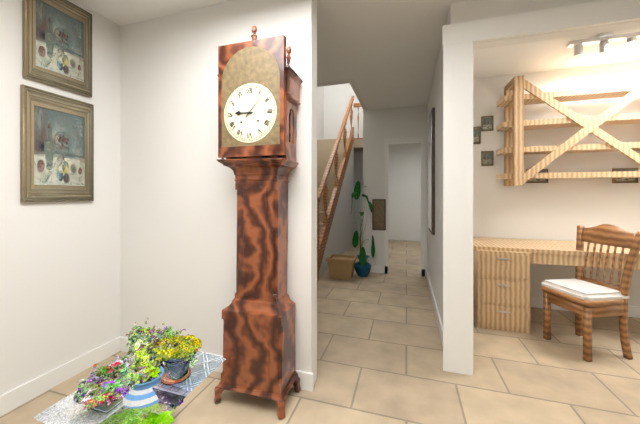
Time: {"hour": 9, "minute": 7}
